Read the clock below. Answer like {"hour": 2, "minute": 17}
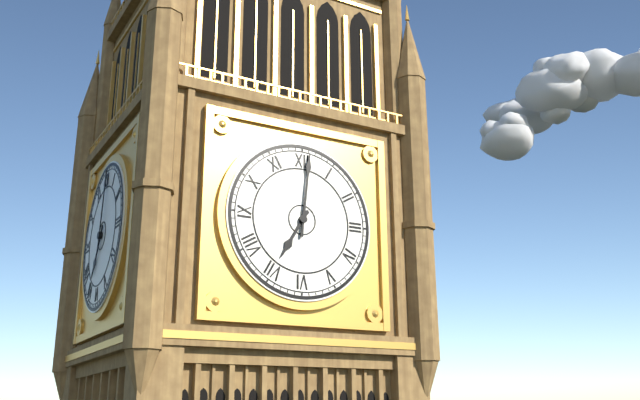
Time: {"hour": 7, "minute": 1}
